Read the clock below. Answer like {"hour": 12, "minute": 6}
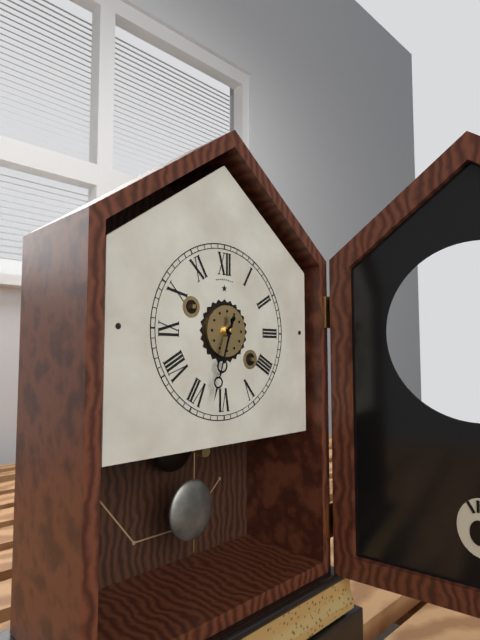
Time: {"hour": 6, "minute": 33}
